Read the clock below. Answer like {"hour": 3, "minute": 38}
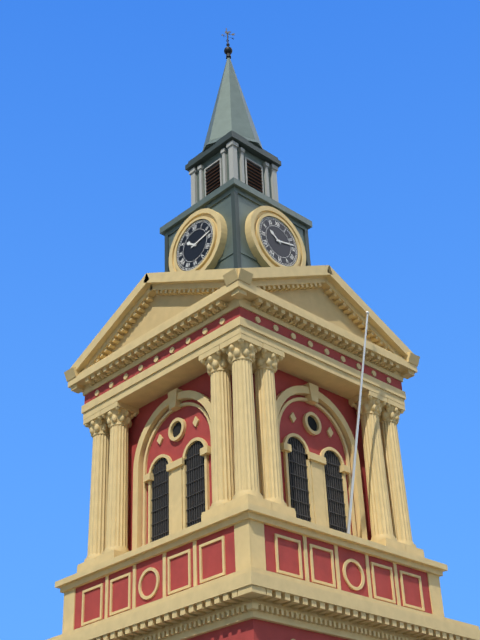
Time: {"hour": 10, "minute": 13}
